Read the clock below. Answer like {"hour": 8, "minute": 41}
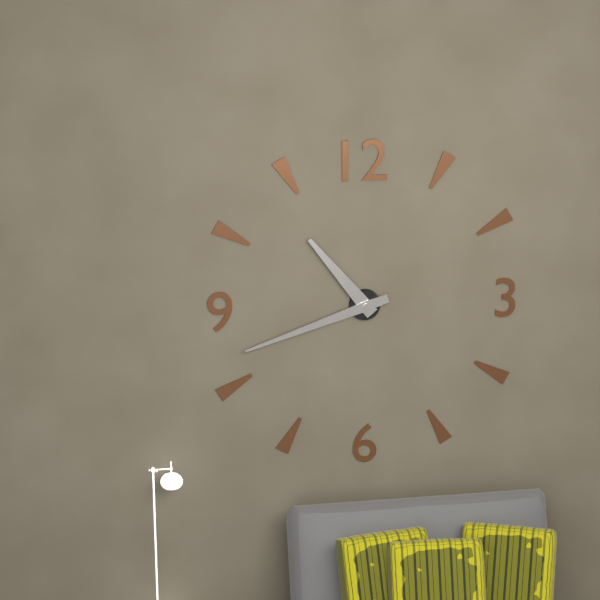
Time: {"hour": 10, "minute": 42}
